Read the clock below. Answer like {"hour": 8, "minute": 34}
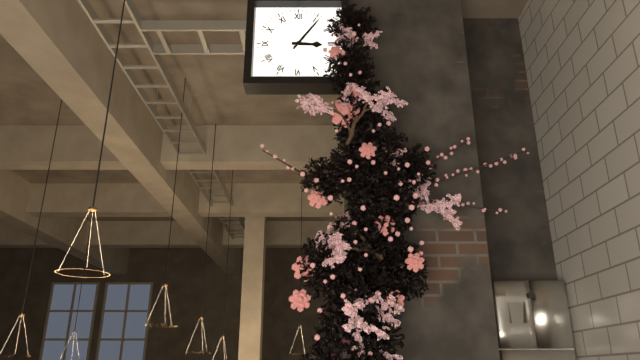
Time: {"hour": 3, "minute": 6}
